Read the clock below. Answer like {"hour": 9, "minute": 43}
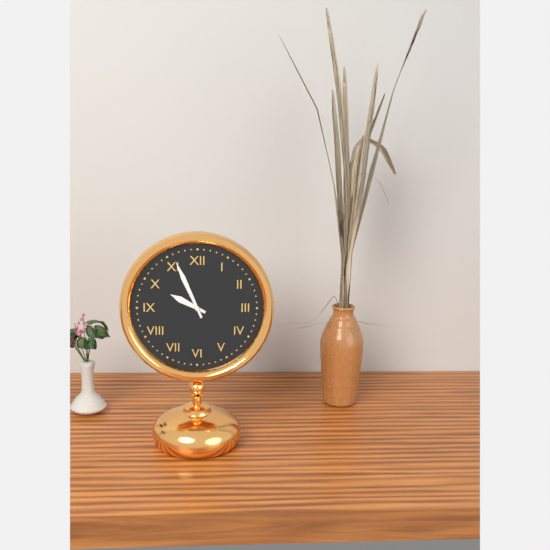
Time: {"hour": 9, "minute": 56}
